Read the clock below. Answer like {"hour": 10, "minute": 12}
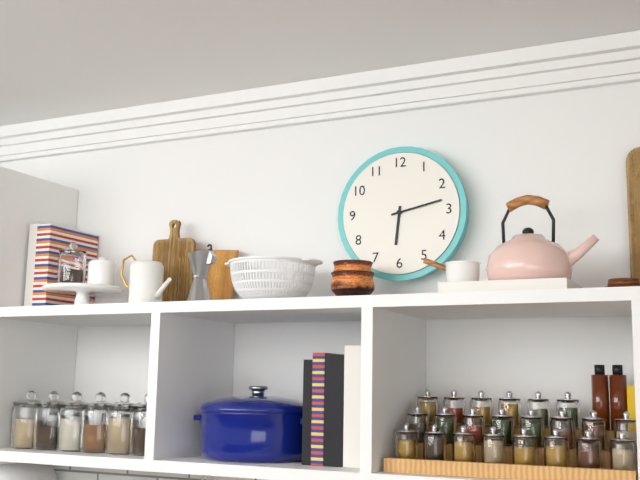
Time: {"hour": 6, "minute": 13}
